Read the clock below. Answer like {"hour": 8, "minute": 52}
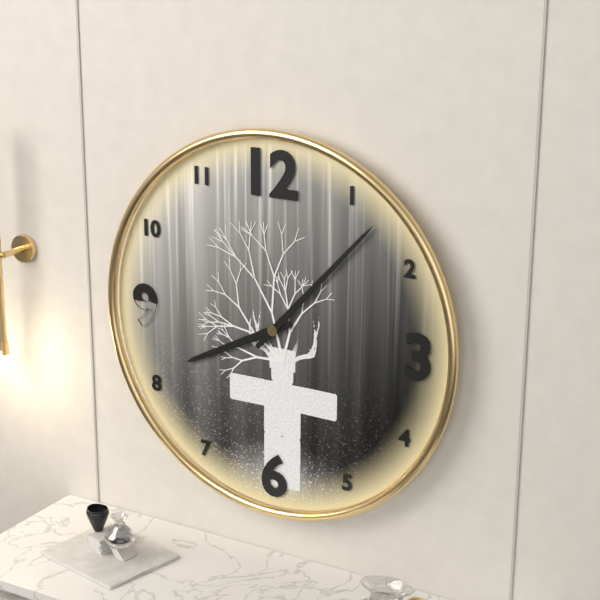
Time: {"hour": 8, "minute": 7}
